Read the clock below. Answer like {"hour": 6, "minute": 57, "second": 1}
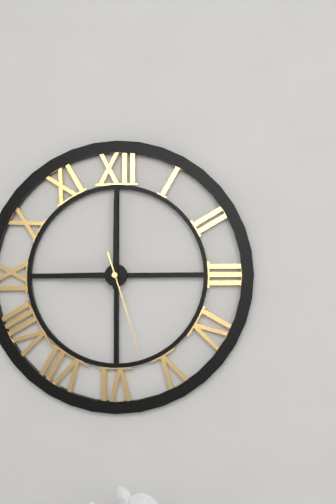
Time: {"hour": 9, "minute": 0, "second": 27}
